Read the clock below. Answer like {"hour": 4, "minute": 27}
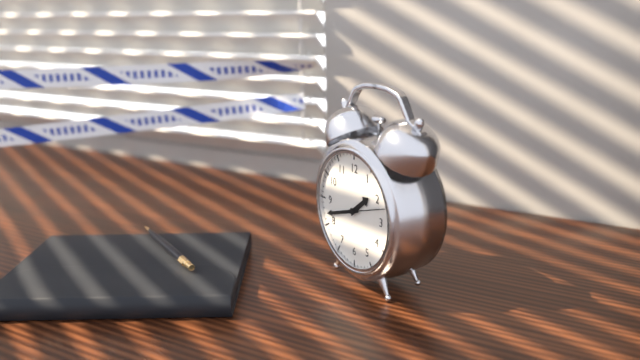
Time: {"hour": 1, "minute": 42}
